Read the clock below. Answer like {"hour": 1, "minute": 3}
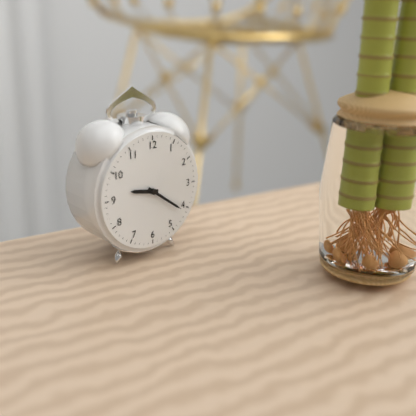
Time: {"hour": 9, "minute": 21}
